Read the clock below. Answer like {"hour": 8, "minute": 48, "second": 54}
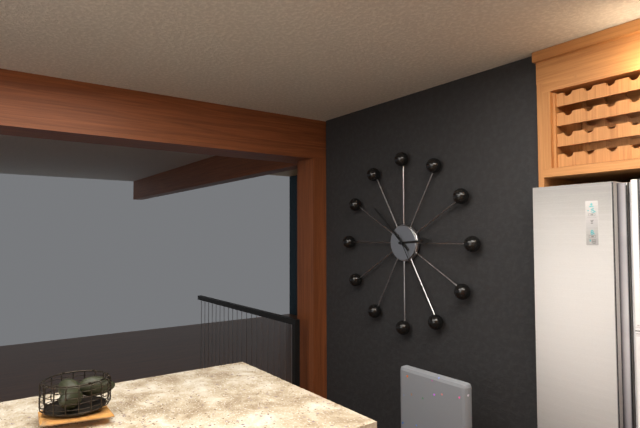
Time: {"hour": 2, "minute": 52, "second": 25}
